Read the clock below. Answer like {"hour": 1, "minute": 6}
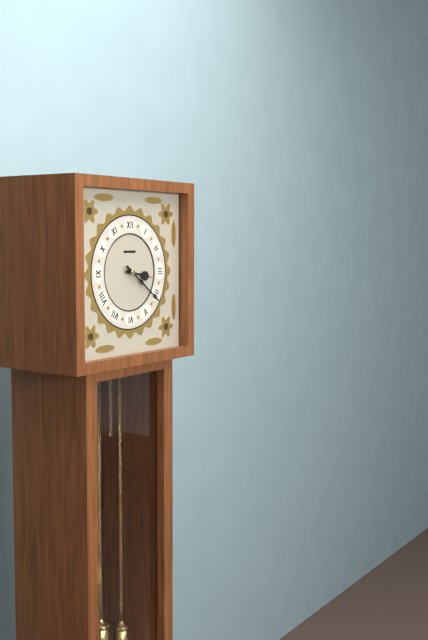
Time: {"hour": 3, "minute": 21}
